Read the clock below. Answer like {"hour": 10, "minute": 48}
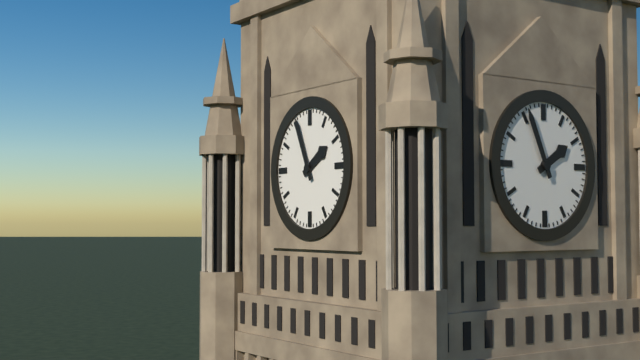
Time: {"hour": 1, "minute": 56}
